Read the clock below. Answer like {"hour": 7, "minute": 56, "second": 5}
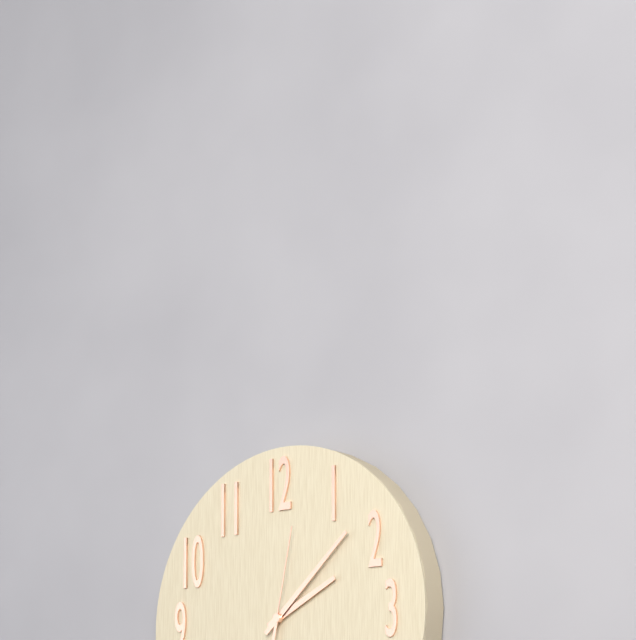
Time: {"hour": 2, "minute": 8, "second": 2}
